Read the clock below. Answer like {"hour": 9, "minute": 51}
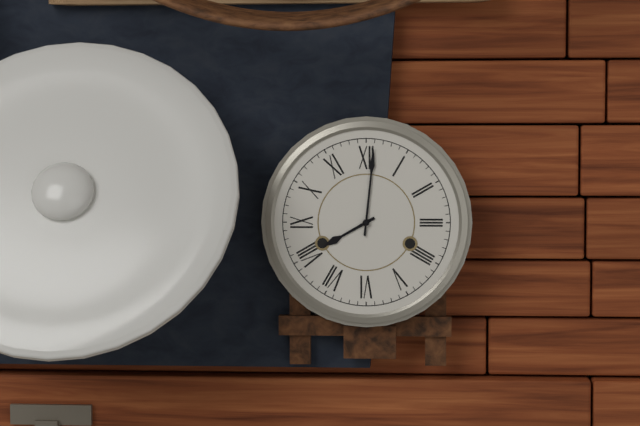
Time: {"hour": 8, "minute": 1}
